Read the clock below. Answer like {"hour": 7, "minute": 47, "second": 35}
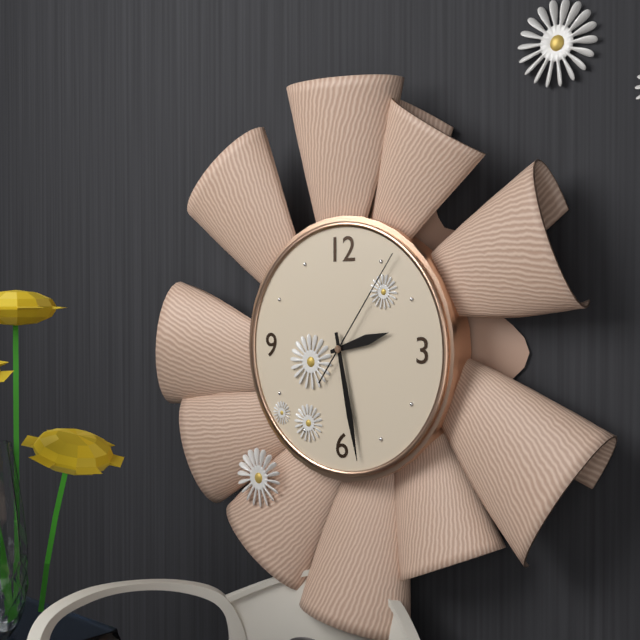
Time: {"hour": 2, "minute": 28, "second": 6}
